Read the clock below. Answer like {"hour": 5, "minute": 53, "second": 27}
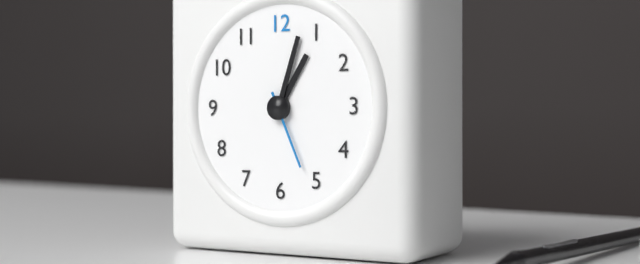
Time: {"hour": 1, "minute": 3, "second": 26}
